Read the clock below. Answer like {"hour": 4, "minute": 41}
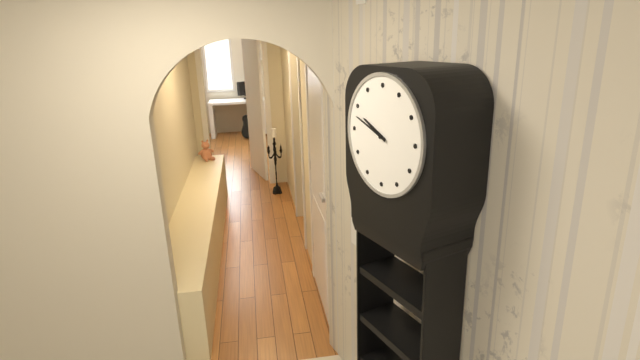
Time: {"hour": 9, "minute": 48}
